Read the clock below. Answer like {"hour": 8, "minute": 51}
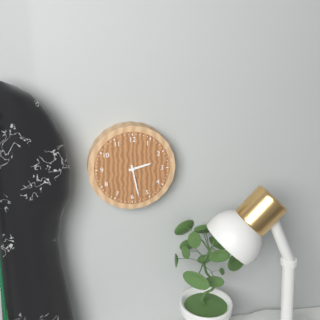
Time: {"hour": 2, "minute": 28}
